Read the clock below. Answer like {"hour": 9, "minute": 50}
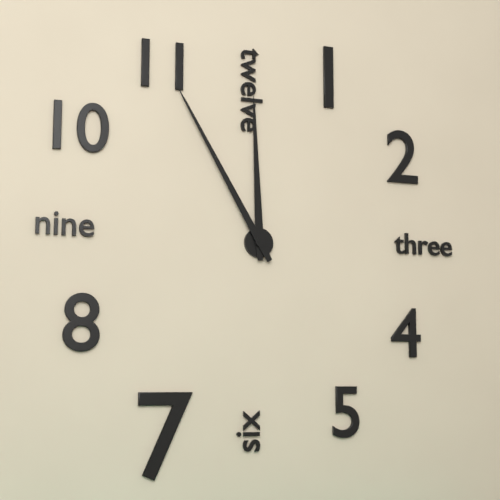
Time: {"hour": 11, "minute": 55}
